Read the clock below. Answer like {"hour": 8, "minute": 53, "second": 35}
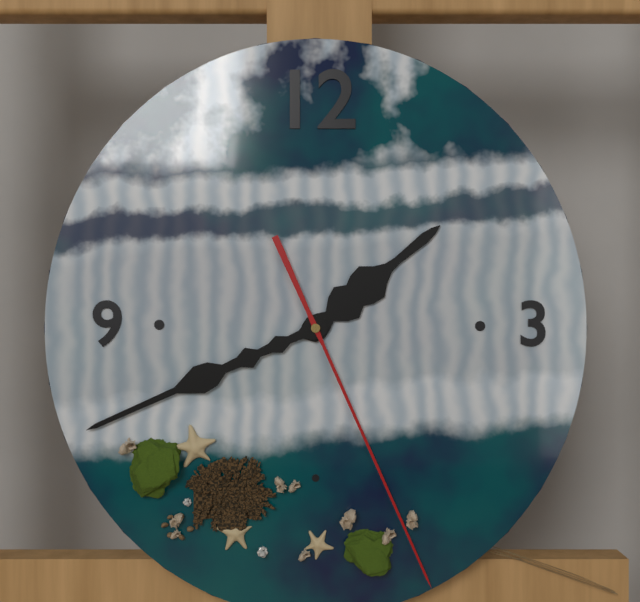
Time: {"hour": 1, "minute": 41, "second": 26}
